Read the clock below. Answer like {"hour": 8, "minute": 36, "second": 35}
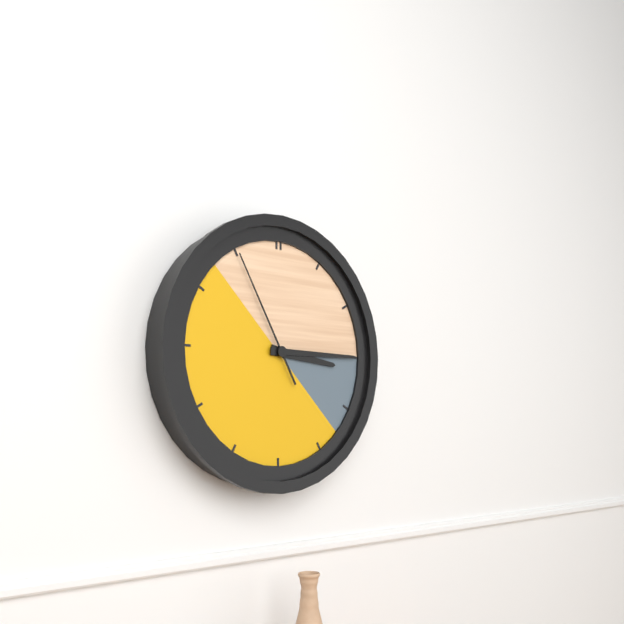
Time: {"hour": 3, "minute": 15, "second": 55}
